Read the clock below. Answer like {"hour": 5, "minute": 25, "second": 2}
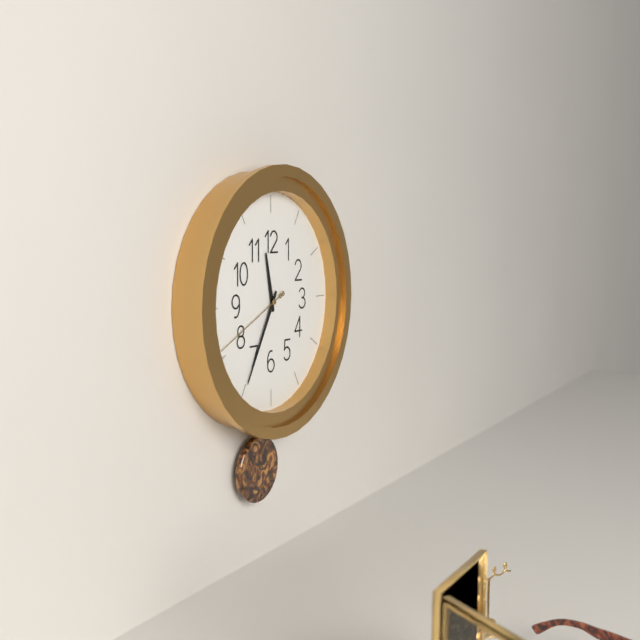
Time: {"hour": 11, "minute": 35, "second": 41}
